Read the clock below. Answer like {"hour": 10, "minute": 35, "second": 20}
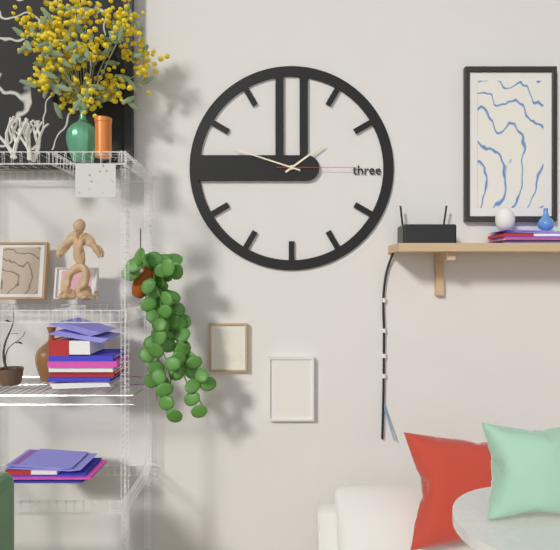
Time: {"hour": 1, "minute": 48, "second": 15}
